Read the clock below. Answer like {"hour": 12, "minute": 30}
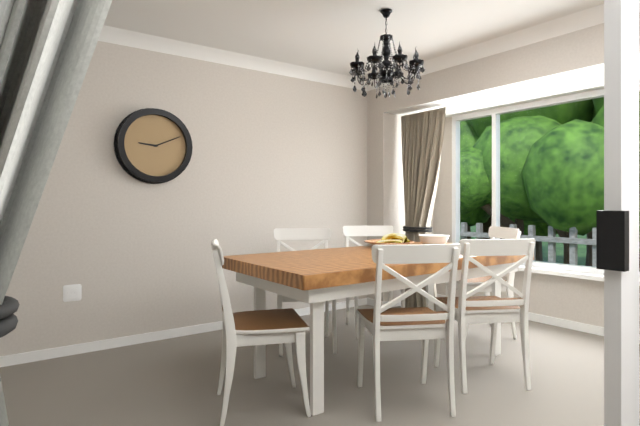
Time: {"hour": 9, "minute": 11}
